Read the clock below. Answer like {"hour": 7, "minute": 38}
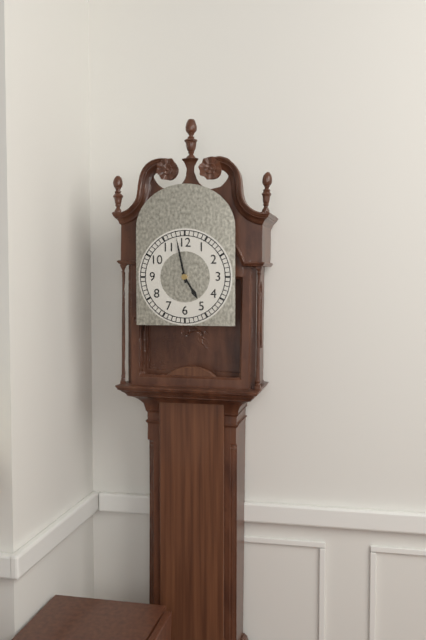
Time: {"hour": 4, "minute": 58}
